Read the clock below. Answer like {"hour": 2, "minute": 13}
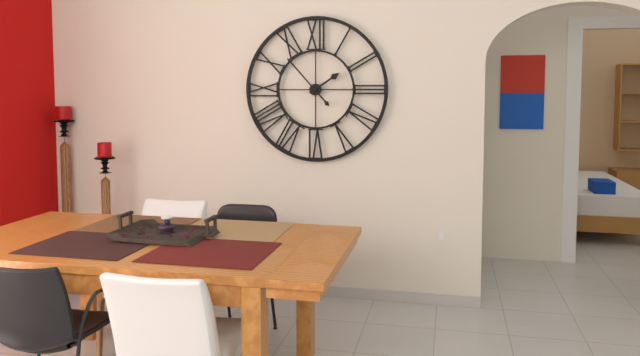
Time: {"hour": 1, "minute": 53}
